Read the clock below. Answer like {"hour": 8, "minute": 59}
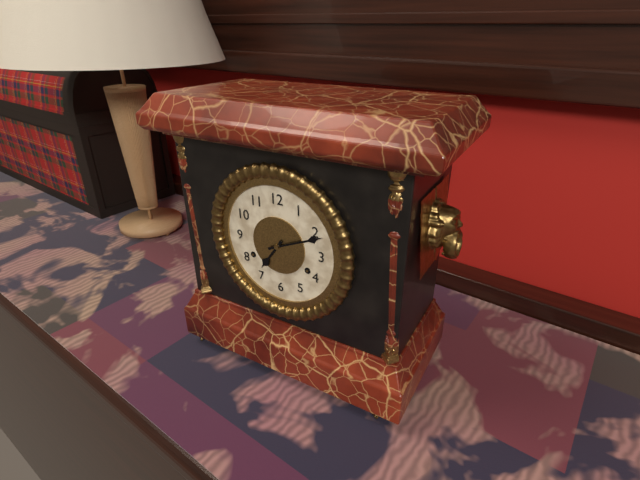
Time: {"hour": 7, "minute": 11}
